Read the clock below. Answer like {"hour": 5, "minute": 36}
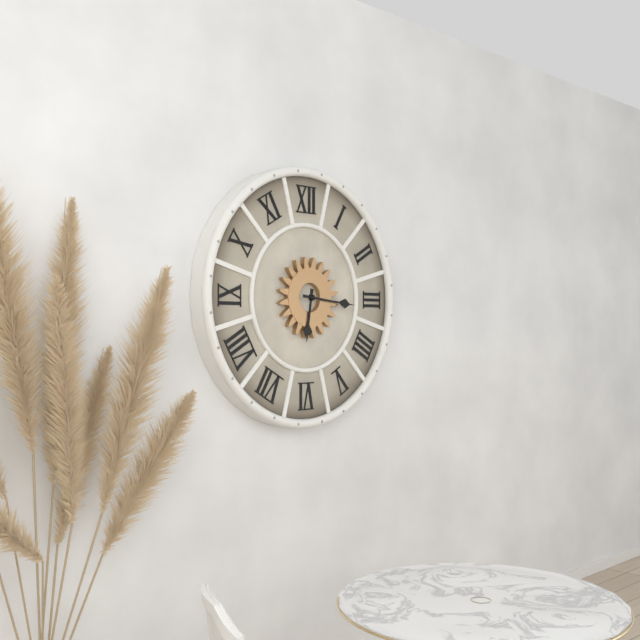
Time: {"hour": 6, "minute": 16}
